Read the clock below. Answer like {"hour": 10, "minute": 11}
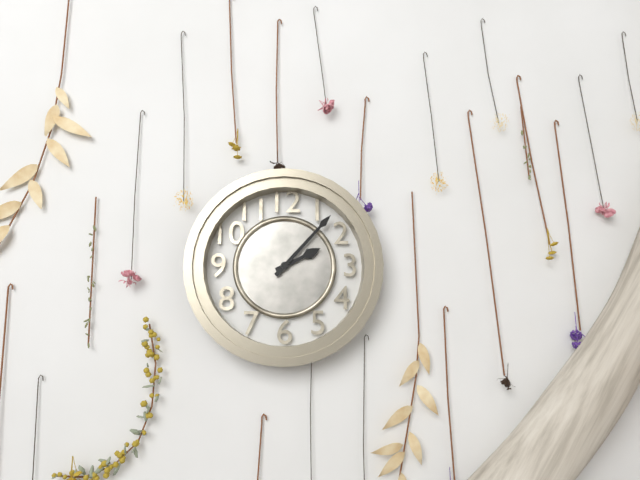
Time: {"hour": 2, "minute": 7}
